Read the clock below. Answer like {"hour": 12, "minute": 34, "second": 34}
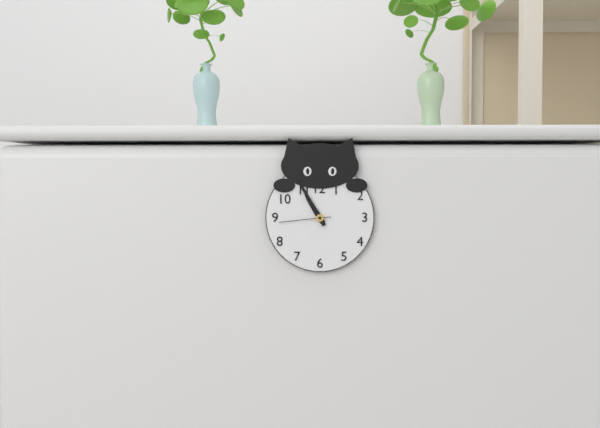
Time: {"hour": 10, "minute": 55, "second": 44}
